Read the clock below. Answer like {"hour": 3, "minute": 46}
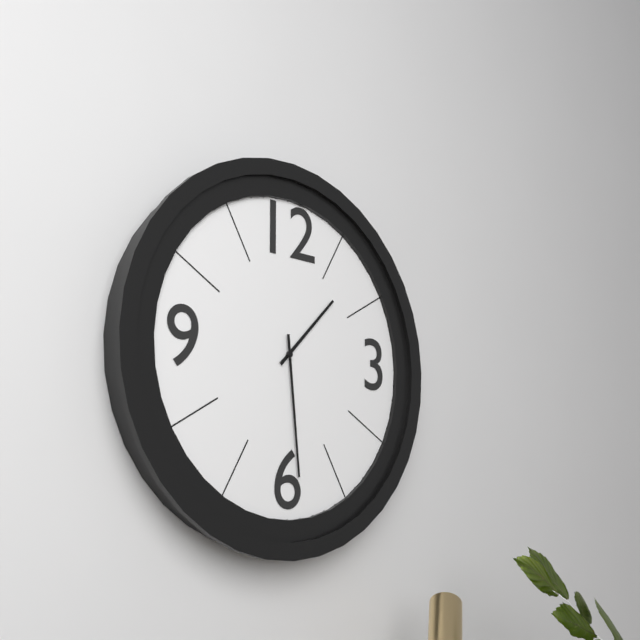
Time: {"hour": 1, "minute": 29}
